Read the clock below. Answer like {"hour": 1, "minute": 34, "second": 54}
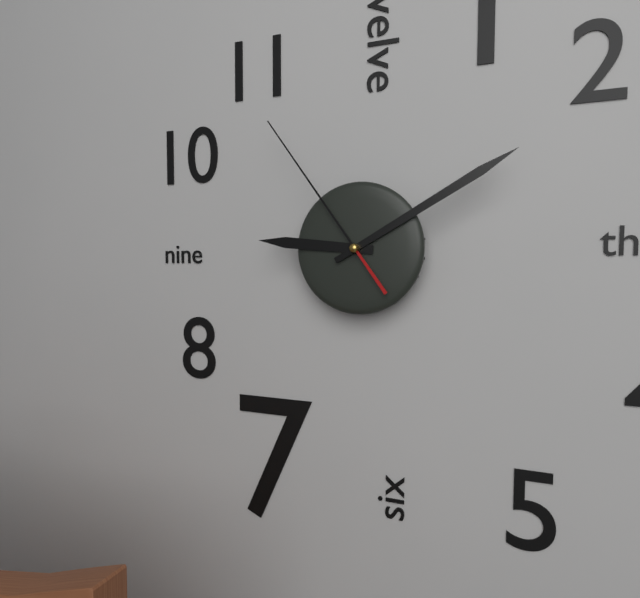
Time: {"hour": 9, "minute": 10, "second": 54}
